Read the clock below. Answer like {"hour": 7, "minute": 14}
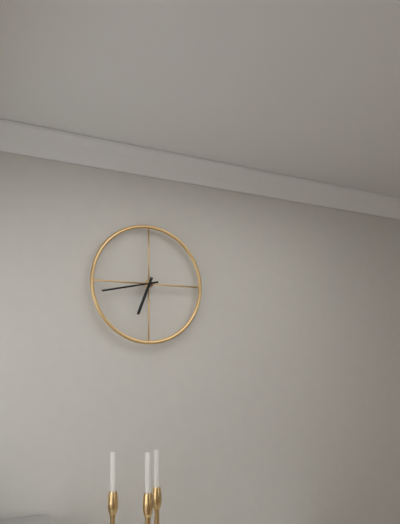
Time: {"hour": 6, "minute": 43}
